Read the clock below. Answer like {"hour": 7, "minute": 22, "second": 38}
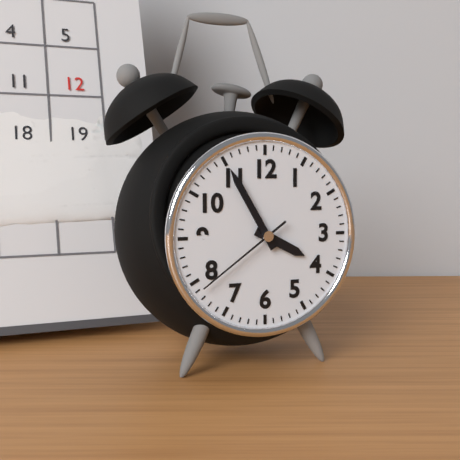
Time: {"hour": 3, "minute": 55, "second": 39}
